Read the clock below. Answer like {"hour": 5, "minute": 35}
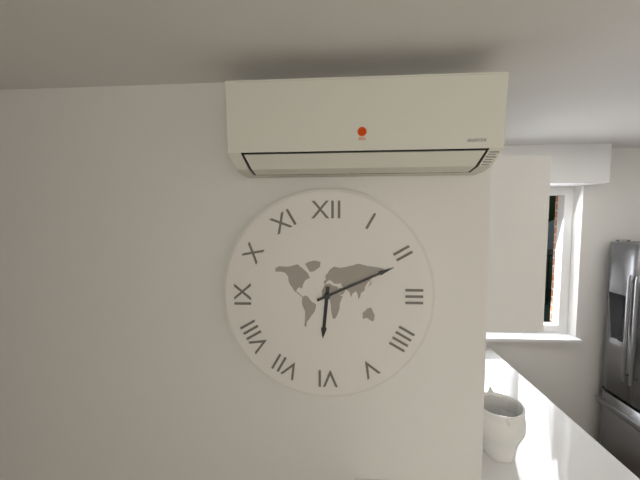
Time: {"hour": 6, "minute": 11}
